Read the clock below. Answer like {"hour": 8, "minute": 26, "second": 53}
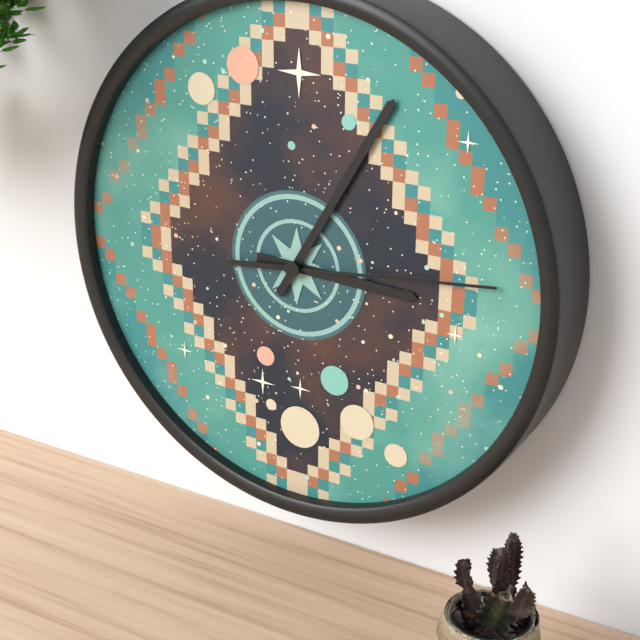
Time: {"hour": 3, "minute": 5, "second": 14}
